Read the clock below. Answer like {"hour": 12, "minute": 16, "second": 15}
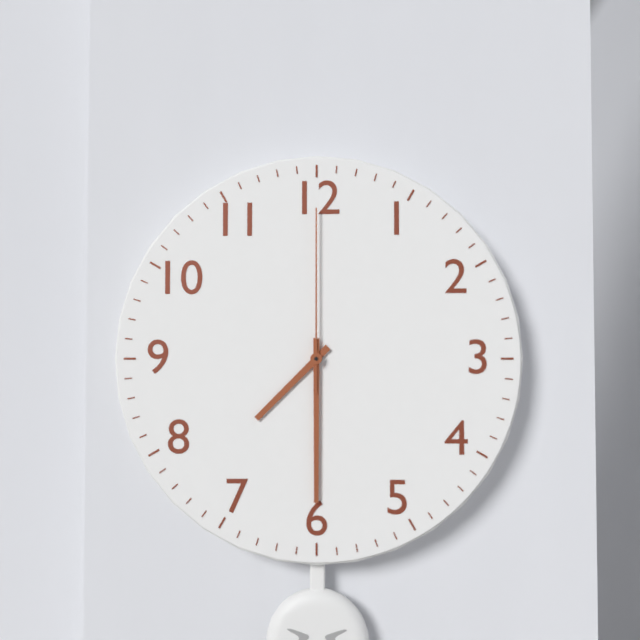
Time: {"hour": 7, "minute": 30, "second": 0}
